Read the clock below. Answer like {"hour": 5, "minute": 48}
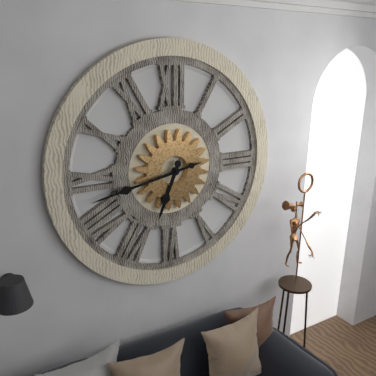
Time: {"hour": 6, "minute": 43}
